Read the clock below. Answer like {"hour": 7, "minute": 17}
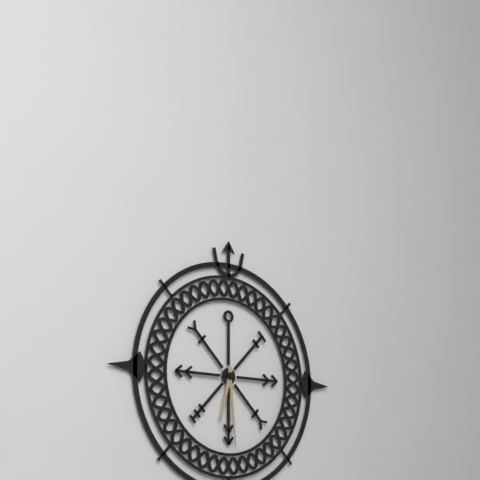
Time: {"hour": 6, "minute": 29}
